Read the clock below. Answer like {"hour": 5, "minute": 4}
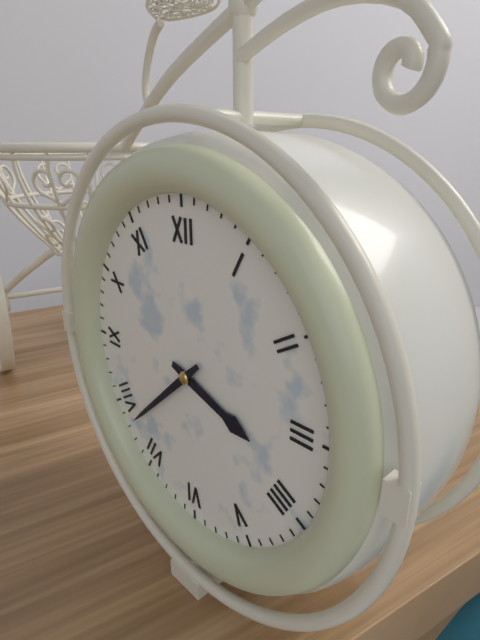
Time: {"hour": 3, "minute": 38}
